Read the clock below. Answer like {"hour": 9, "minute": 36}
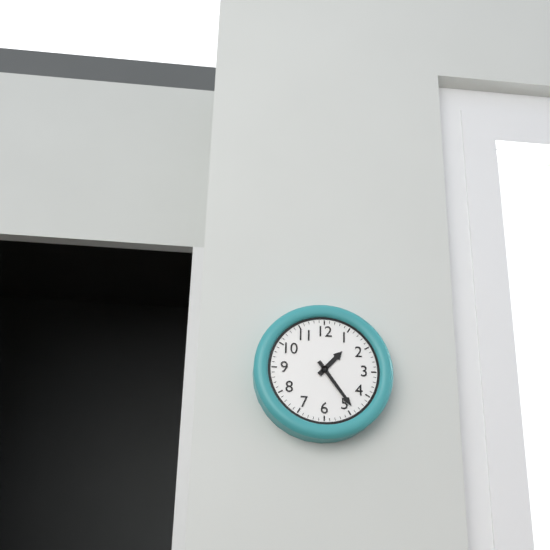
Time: {"hour": 1, "minute": 24}
